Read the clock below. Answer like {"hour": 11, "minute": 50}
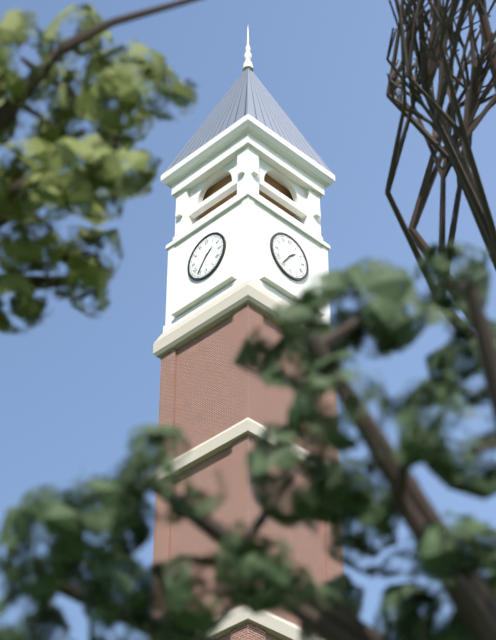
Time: {"hour": 1, "minute": 36}
